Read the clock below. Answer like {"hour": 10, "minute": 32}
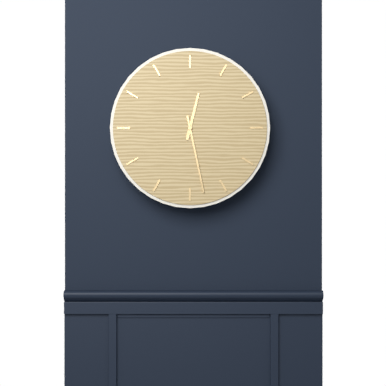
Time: {"hour": 12, "minute": 28}
